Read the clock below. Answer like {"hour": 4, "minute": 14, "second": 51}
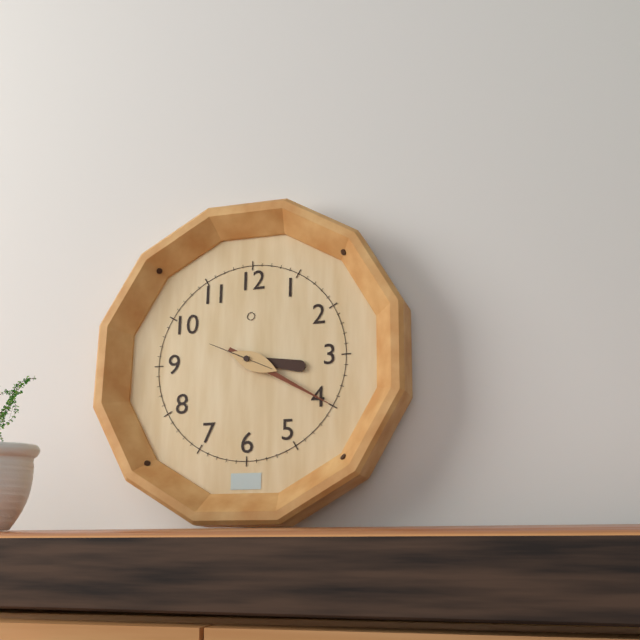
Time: {"hour": 3, "minute": 20, "second": 49}
